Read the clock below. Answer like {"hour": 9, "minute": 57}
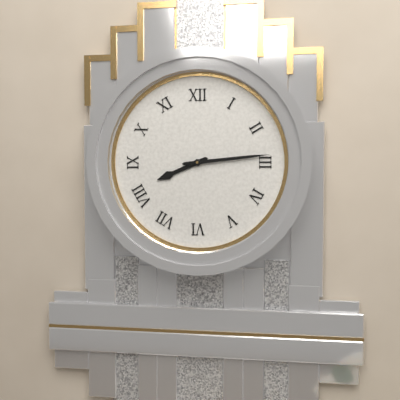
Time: {"hour": 8, "minute": 14}
